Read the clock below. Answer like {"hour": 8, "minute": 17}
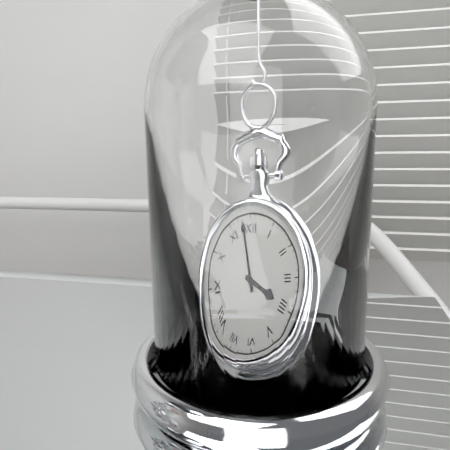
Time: {"hour": 3, "minute": 58}
